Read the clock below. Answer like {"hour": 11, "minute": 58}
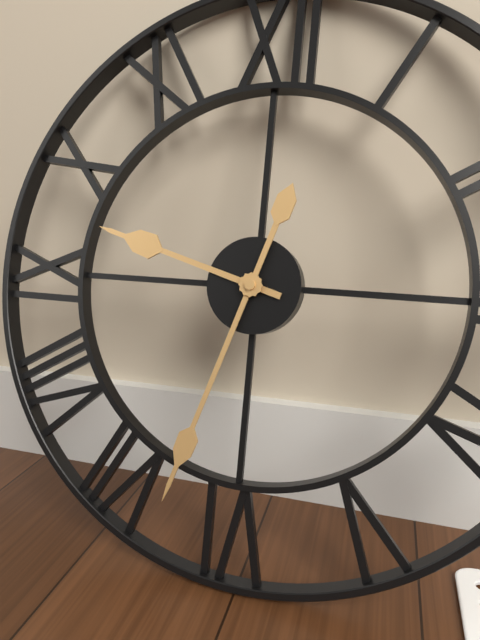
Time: {"hour": 9, "minute": 33}
